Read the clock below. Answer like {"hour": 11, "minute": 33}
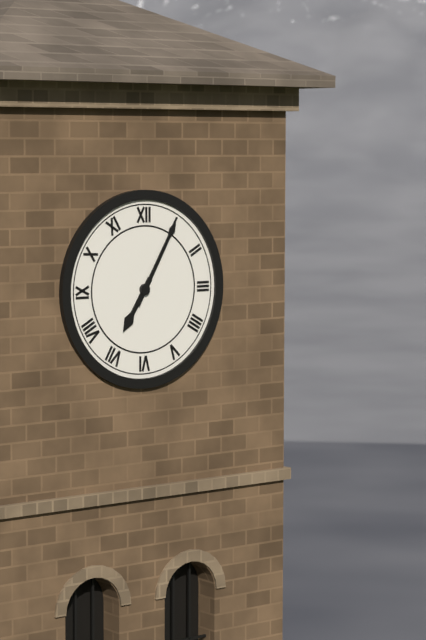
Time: {"hour": 7, "minute": 5}
